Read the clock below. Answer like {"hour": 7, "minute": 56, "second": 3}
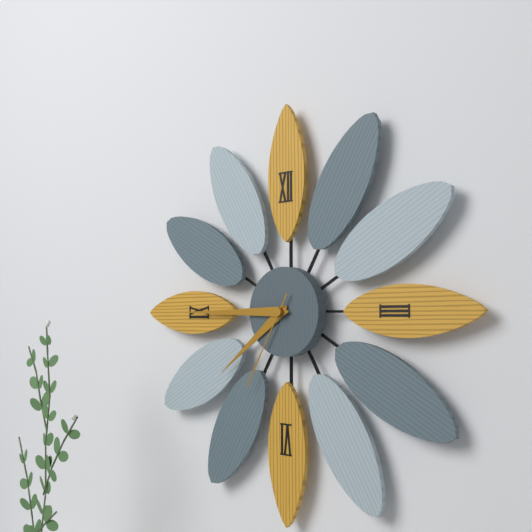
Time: {"hour": 7, "minute": 45, "second": 35}
